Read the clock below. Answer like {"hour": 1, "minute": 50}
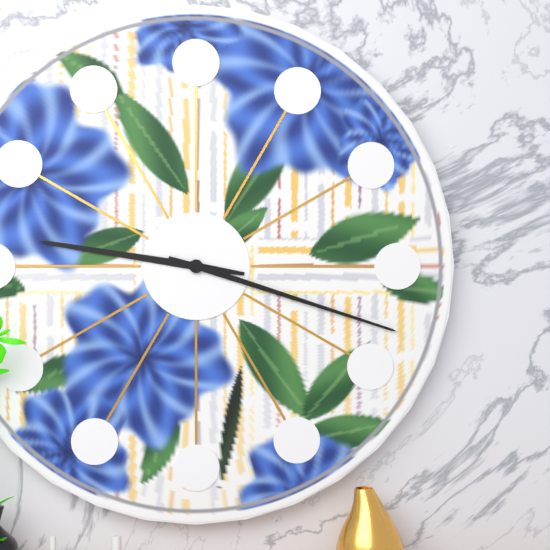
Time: {"hour": 9, "minute": 18}
